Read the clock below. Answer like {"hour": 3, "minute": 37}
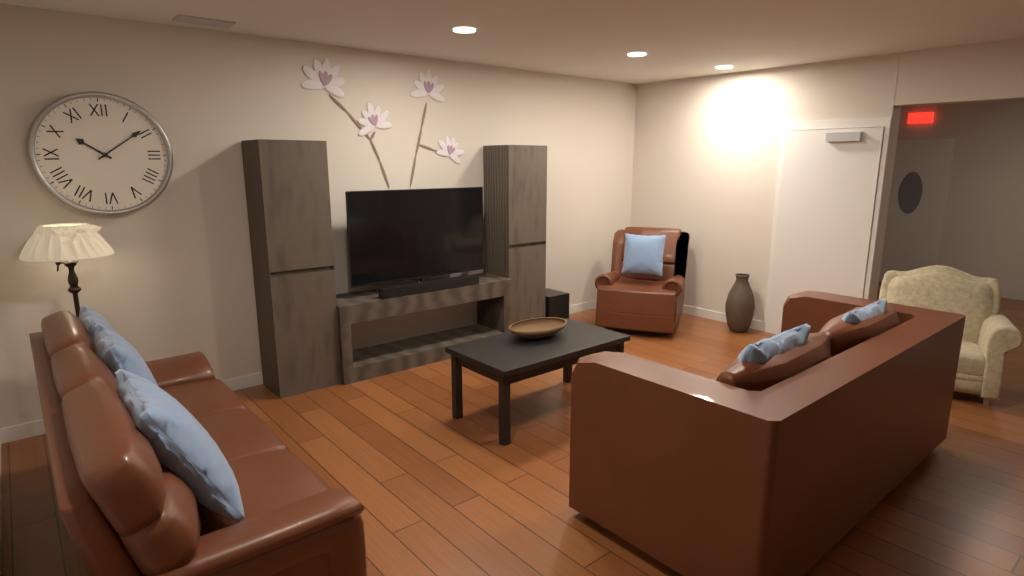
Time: {"hour": 10, "minute": 9}
